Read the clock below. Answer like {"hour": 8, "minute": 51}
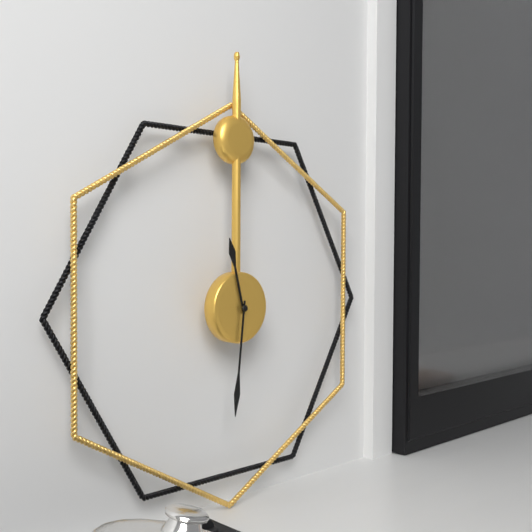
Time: {"hour": 11, "minute": 31}
